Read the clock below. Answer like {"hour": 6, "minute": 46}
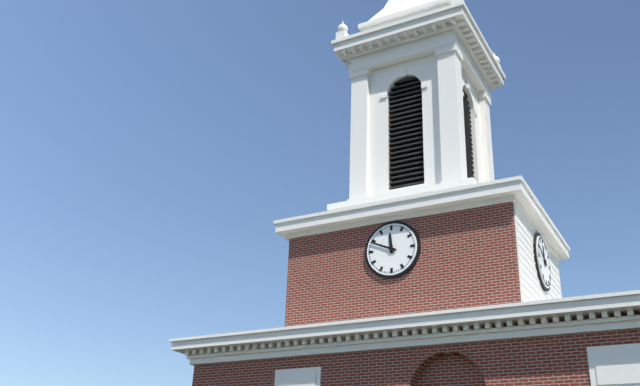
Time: {"hour": 11, "minute": 49}
